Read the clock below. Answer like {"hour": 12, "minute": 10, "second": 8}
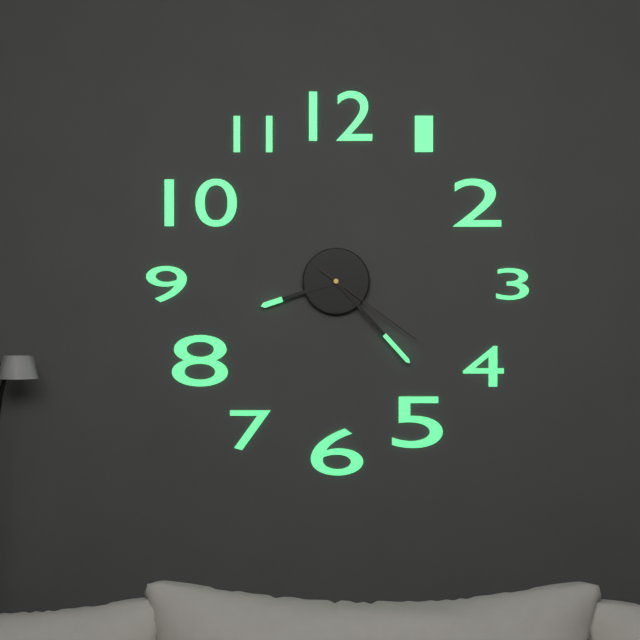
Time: {"hour": 8, "minute": 23, "second": 21}
